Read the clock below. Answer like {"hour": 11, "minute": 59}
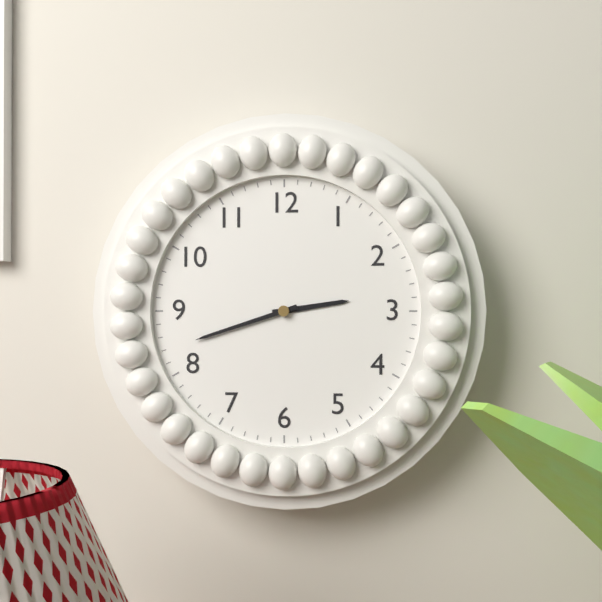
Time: {"hour": 2, "minute": 42}
